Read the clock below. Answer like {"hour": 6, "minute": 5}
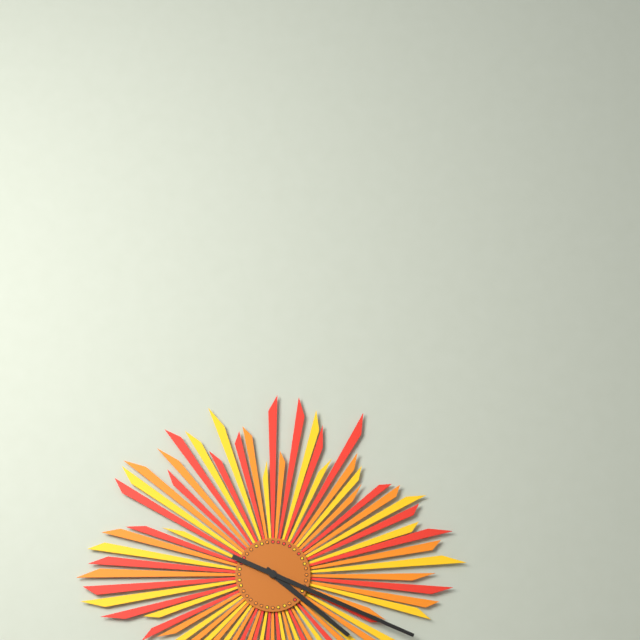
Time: {"hour": 4, "minute": 19}
